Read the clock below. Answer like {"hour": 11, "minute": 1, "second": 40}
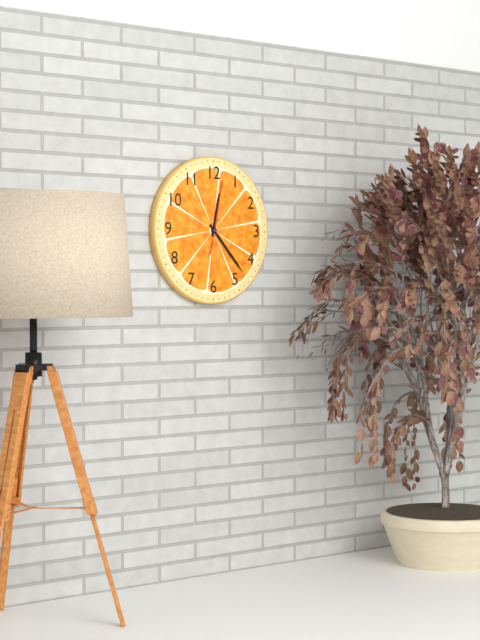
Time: {"hour": 12, "minute": 23, "second": 2}
